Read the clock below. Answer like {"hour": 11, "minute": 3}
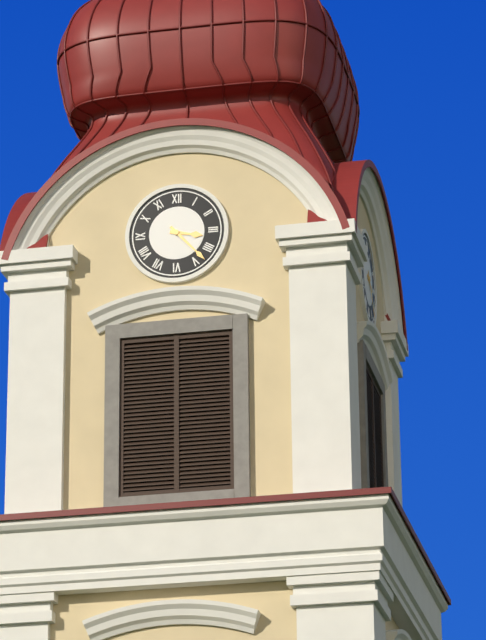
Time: {"hour": 3, "minute": 23}
